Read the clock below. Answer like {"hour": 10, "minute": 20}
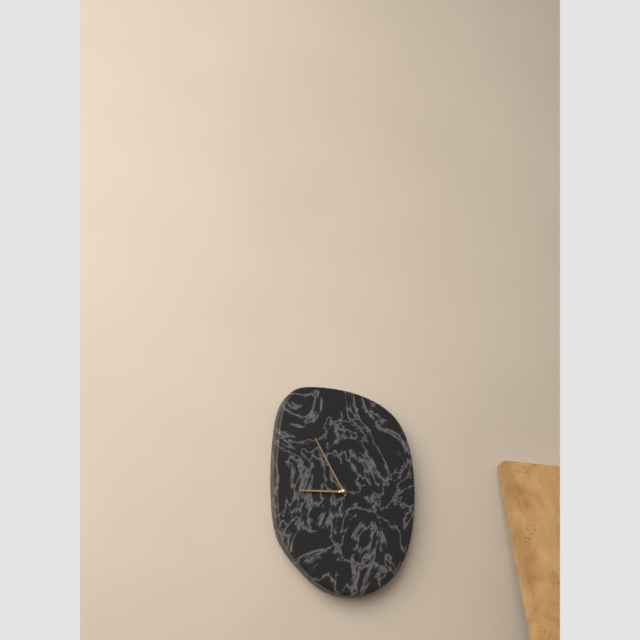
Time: {"hour": 8, "minute": 55}
